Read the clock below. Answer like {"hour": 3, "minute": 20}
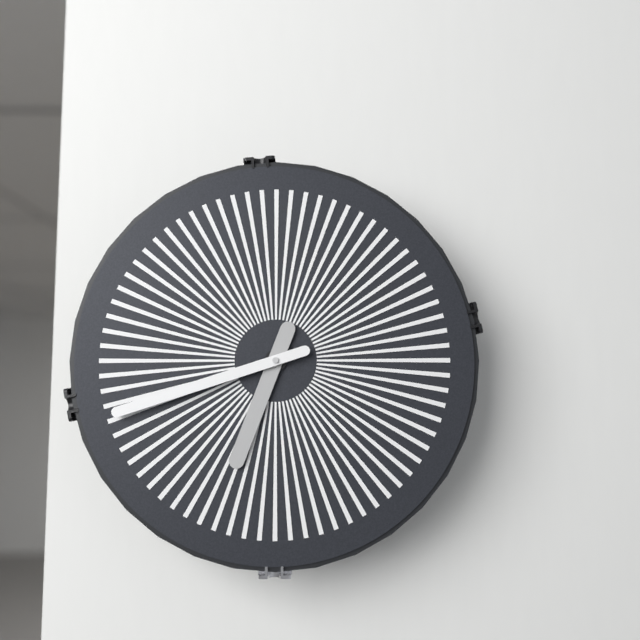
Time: {"hour": 6, "minute": 42}
